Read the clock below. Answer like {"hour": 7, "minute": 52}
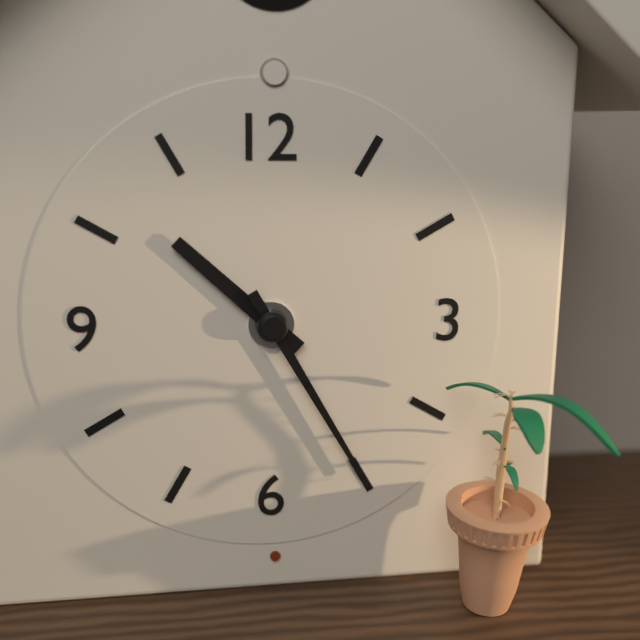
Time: {"hour": 10, "minute": 25}
